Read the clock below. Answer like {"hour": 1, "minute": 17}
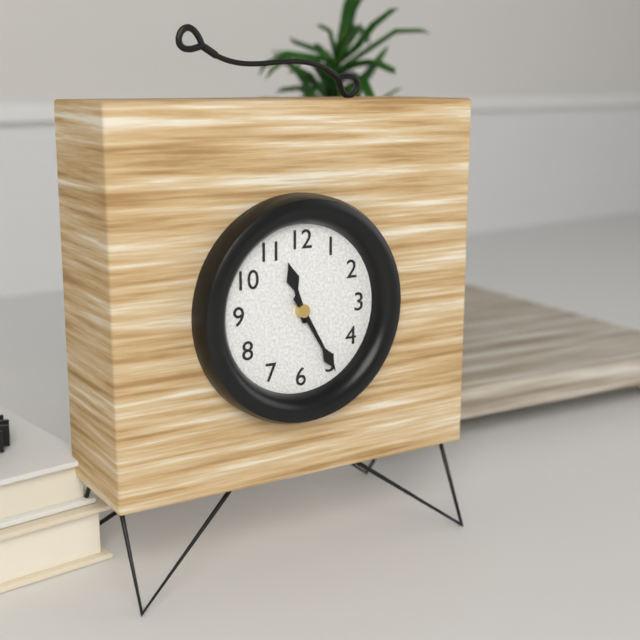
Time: {"hour": 11, "minute": 25}
